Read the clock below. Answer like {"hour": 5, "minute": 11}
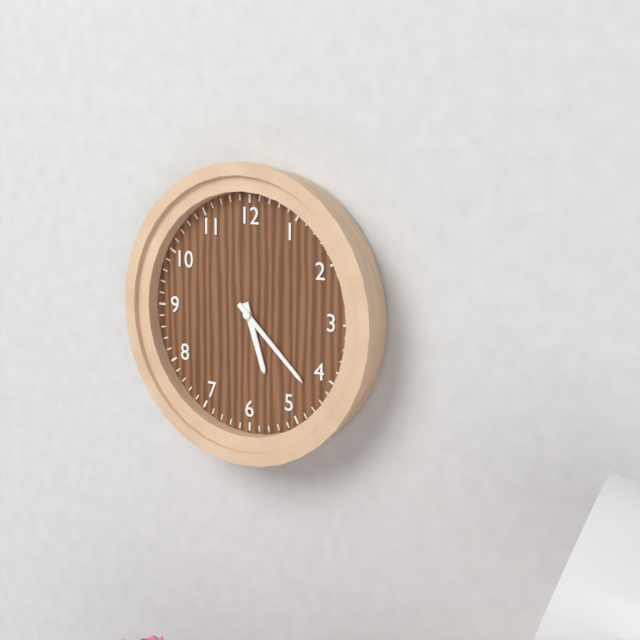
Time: {"hour": 5, "minute": 22}
